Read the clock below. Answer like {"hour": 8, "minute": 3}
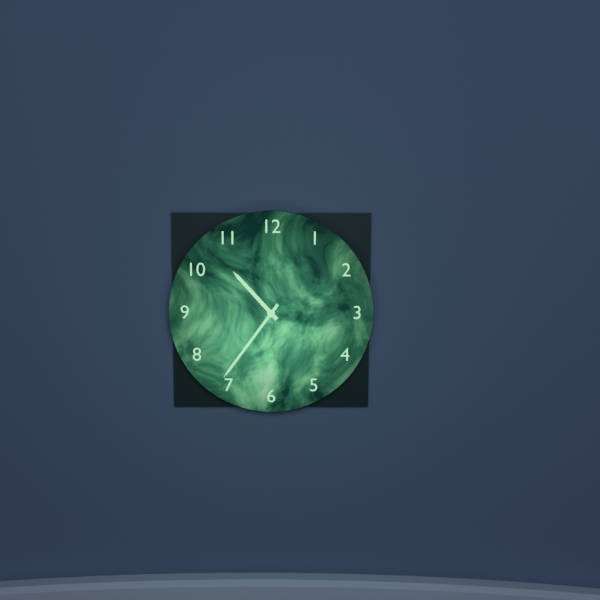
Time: {"hour": 10, "minute": 36}
